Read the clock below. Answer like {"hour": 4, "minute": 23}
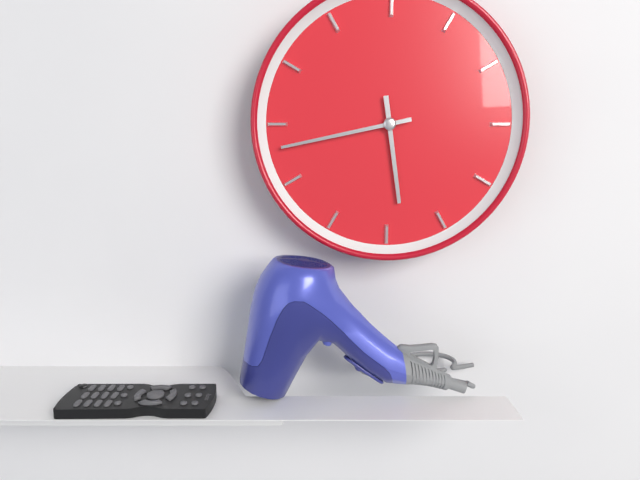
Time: {"hour": 5, "minute": 43}
